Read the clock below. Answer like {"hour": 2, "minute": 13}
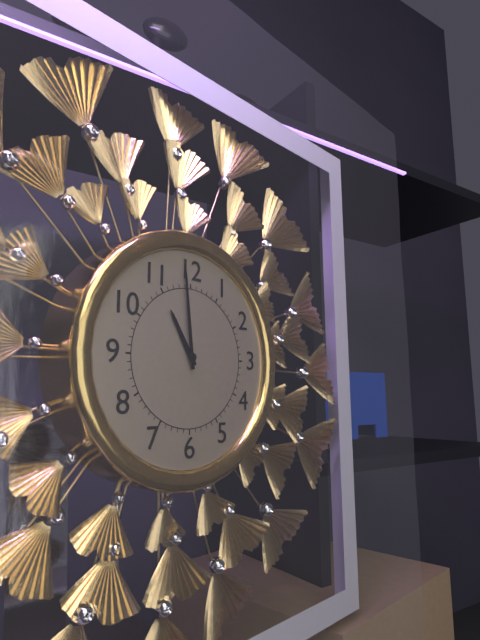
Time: {"hour": 10, "minute": 59}
